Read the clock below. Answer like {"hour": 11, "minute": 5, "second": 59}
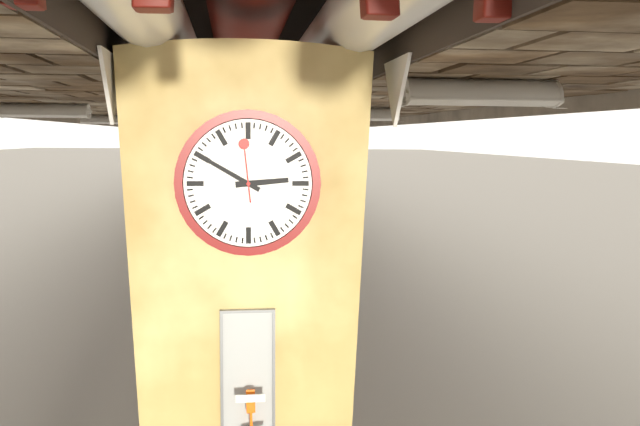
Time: {"hour": 2, "minute": 50, "second": 59}
